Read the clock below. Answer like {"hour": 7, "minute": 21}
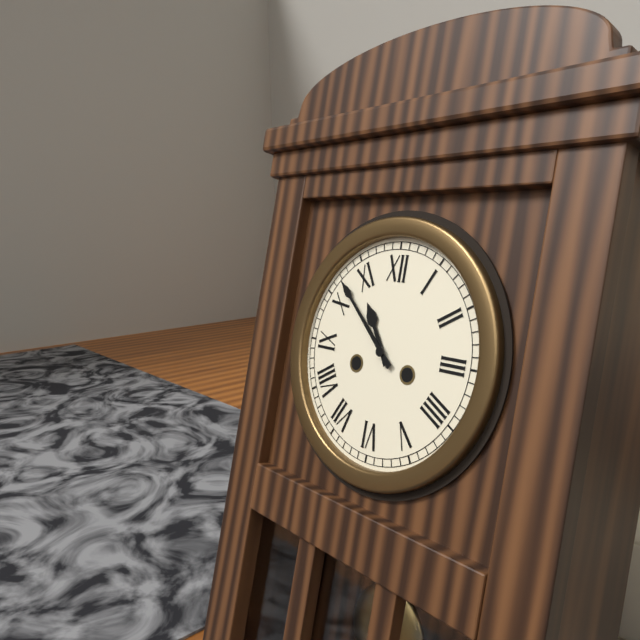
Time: {"hour": 10, "minute": 52}
